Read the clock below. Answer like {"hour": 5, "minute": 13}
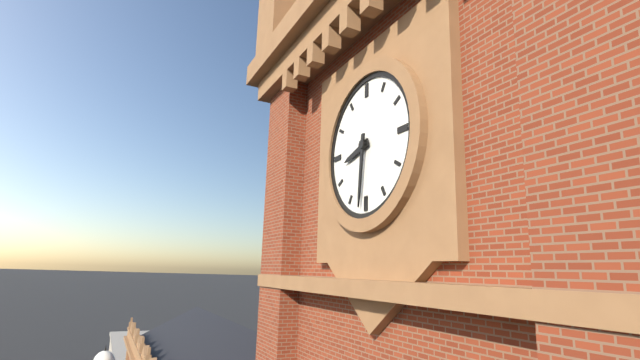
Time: {"hour": 8, "minute": 31}
